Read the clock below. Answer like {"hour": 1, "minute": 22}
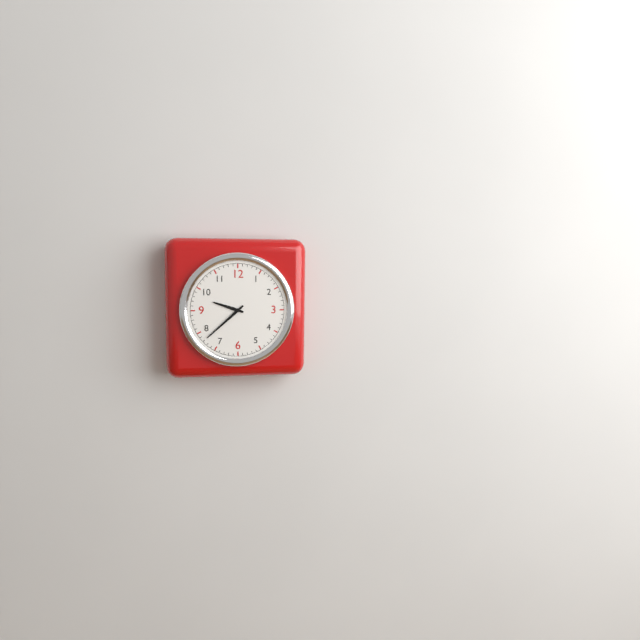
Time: {"hour": 9, "minute": 38}
